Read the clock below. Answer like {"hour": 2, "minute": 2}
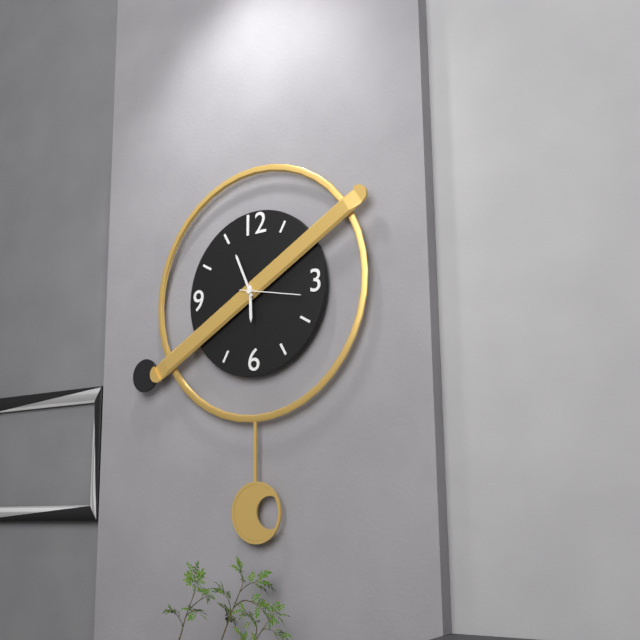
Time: {"hour": 5, "minute": 56}
